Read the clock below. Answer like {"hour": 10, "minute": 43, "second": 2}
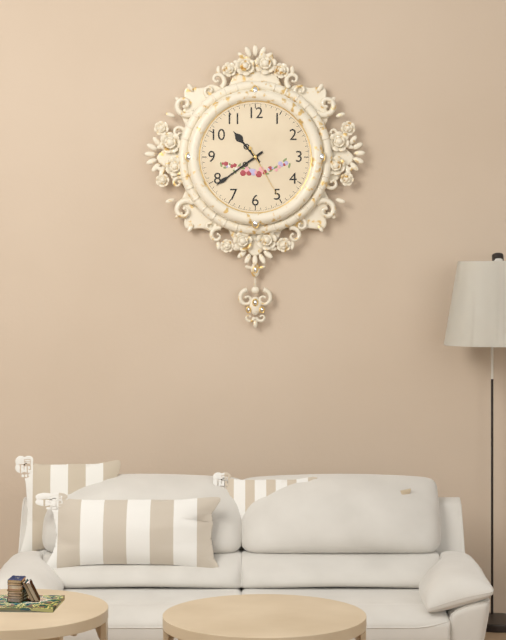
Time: {"hour": 10, "minute": 39, "second": 25}
